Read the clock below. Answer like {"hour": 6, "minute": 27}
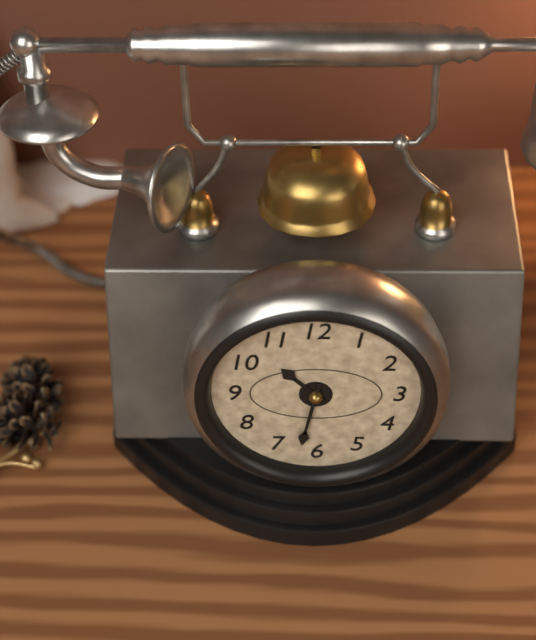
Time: {"hour": 10, "minute": 32}
